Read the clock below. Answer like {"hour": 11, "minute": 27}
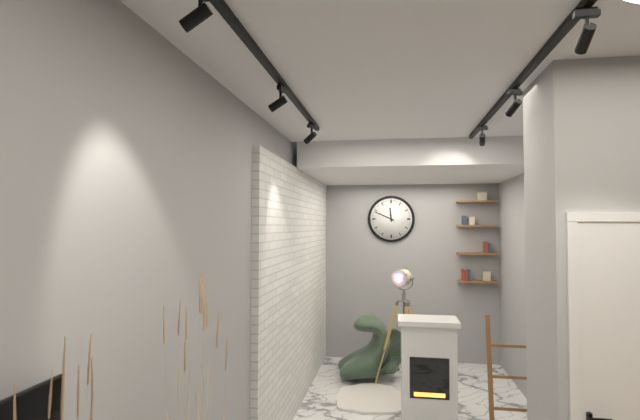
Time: {"hour": 11, "minute": 49}
